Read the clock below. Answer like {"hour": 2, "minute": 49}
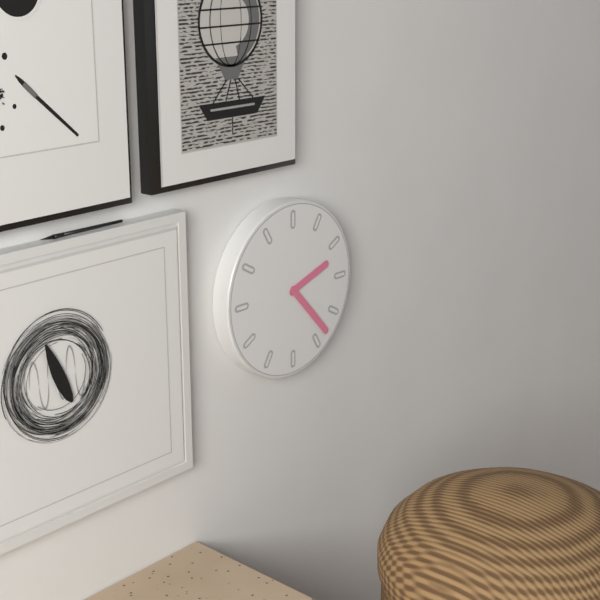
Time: {"hour": 2, "minute": 23}
